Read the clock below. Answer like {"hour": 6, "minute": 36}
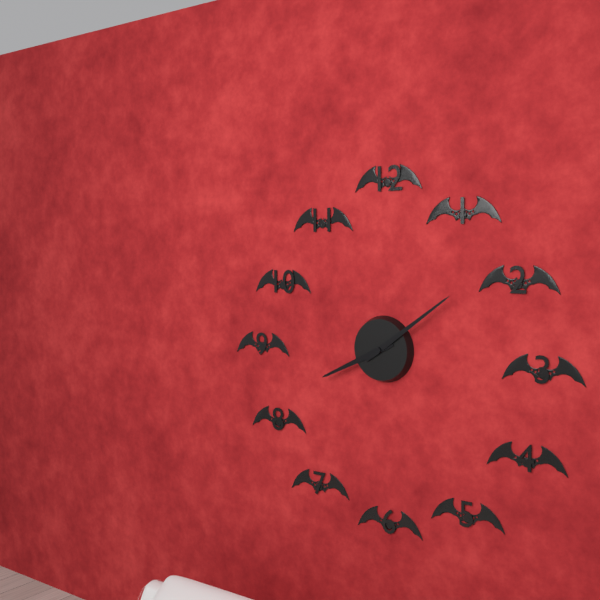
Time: {"hour": 8, "minute": 9}
